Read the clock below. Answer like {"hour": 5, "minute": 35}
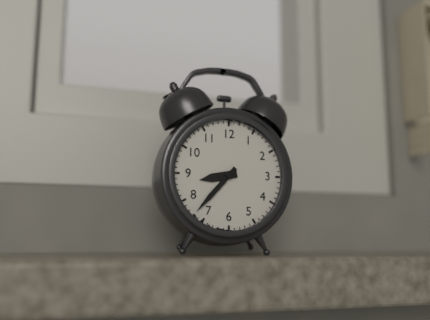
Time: {"hour": 8, "minute": 37}
